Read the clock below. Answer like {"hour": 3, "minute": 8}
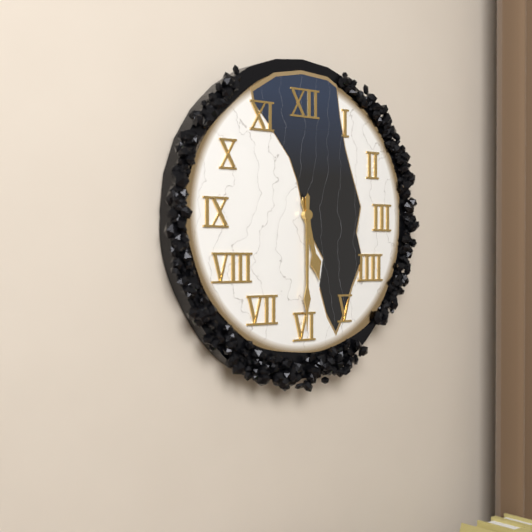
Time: {"hour": 5, "minute": 30}
